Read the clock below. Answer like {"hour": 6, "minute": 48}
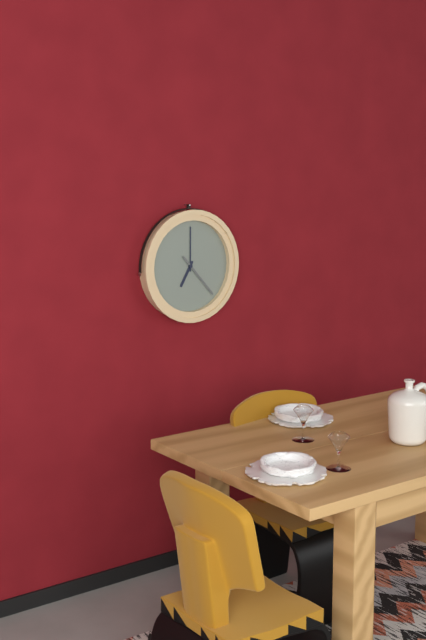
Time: {"hour": 7, "minute": 0}
